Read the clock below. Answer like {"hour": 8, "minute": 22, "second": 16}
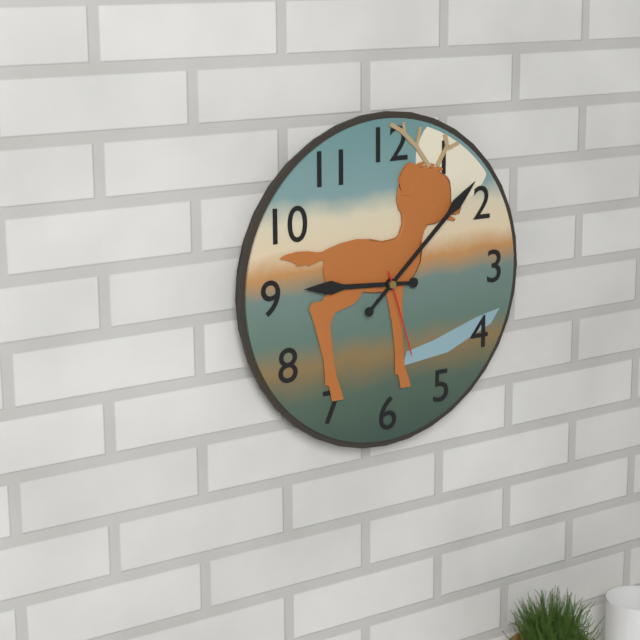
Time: {"hour": 9, "minute": 8, "second": 27}
